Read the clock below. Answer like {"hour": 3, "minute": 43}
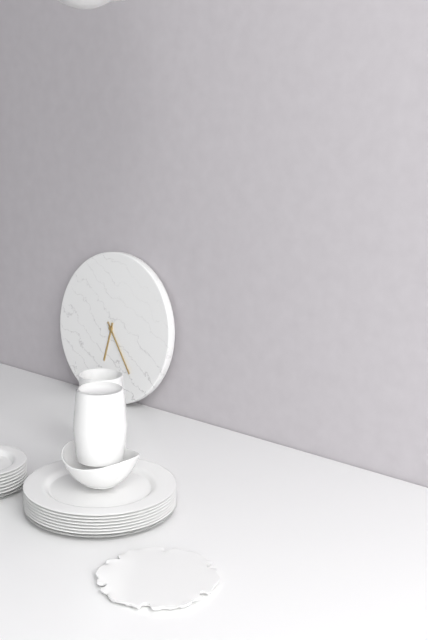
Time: {"hour": 6, "minute": 24}
